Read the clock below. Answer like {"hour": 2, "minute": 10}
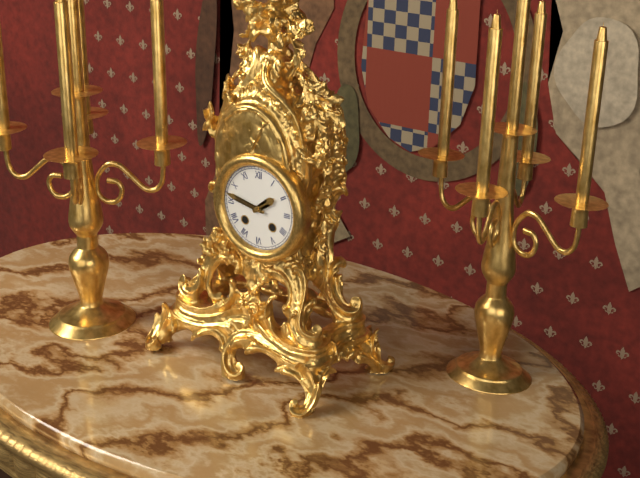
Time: {"hour": 1, "minute": 47}
